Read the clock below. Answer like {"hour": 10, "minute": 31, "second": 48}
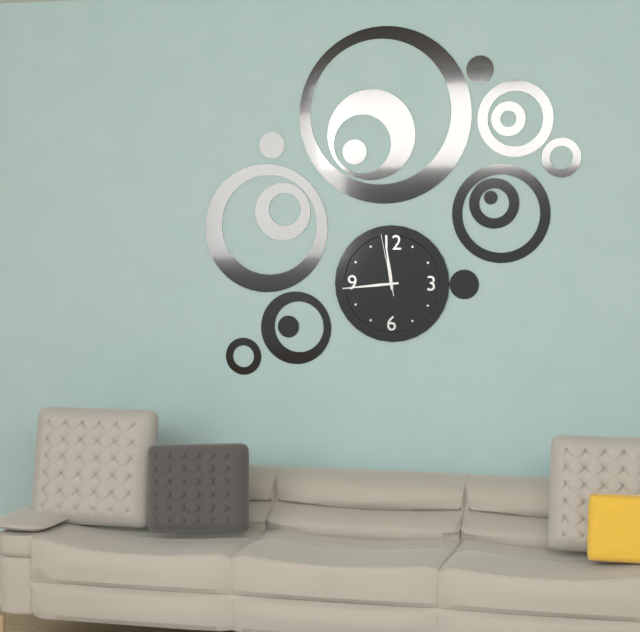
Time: {"hour": 11, "minute": 44, "second": 58}
